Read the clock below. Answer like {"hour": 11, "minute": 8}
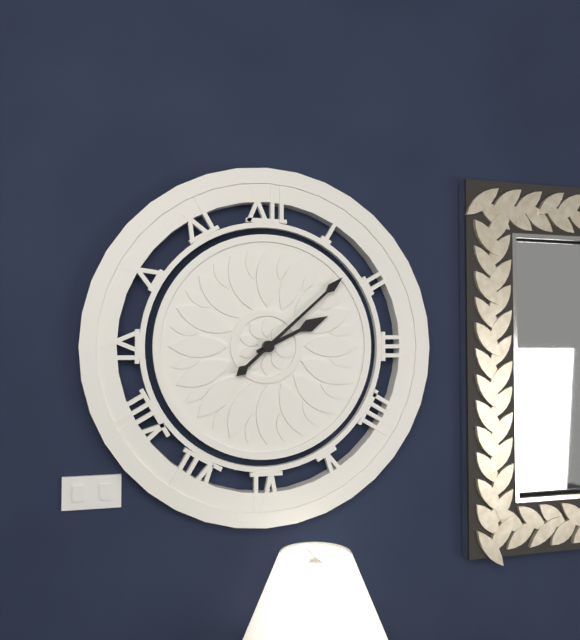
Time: {"hour": 2, "minute": 8}
